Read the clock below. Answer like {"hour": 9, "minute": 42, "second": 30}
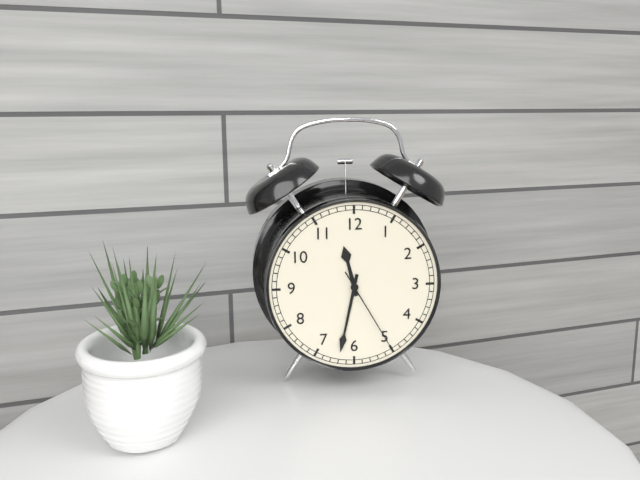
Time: {"hour": 11, "minute": 32, "second": 25}
